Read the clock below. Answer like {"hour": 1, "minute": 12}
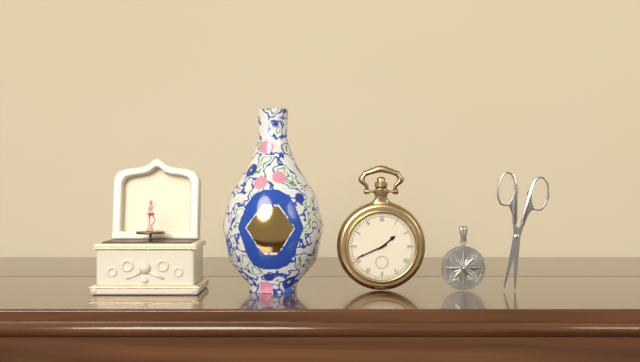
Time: {"hour": 1, "minute": 41}
